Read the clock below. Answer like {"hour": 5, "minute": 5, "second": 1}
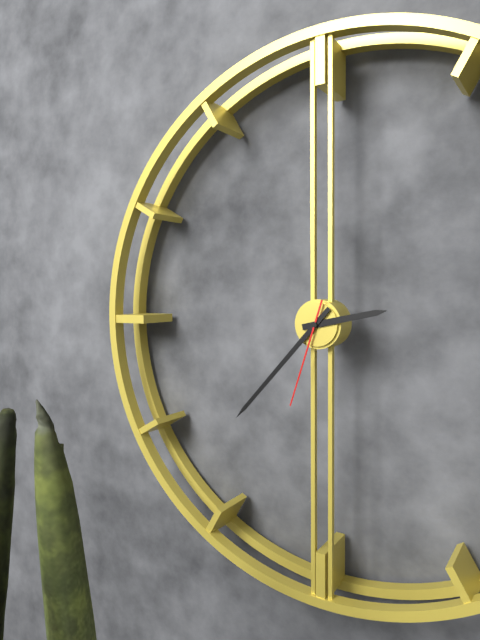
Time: {"hour": 2, "minute": 37, "second": 33}
